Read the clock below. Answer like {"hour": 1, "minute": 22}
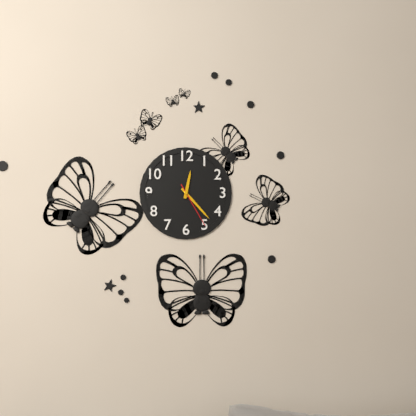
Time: {"hour": 12, "minute": 23}
